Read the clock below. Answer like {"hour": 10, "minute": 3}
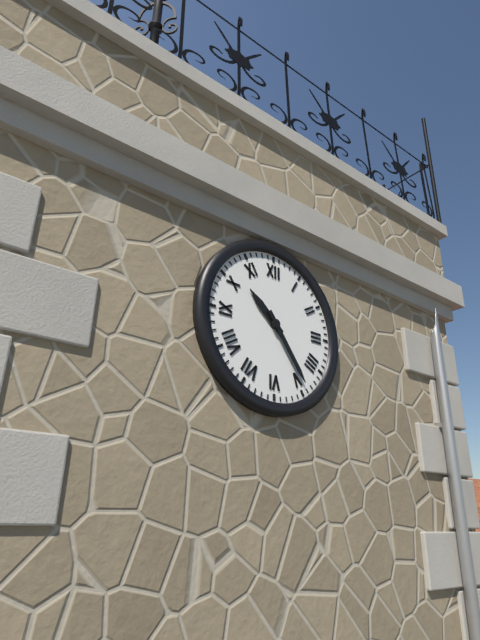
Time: {"hour": 10, "minute": 24}
